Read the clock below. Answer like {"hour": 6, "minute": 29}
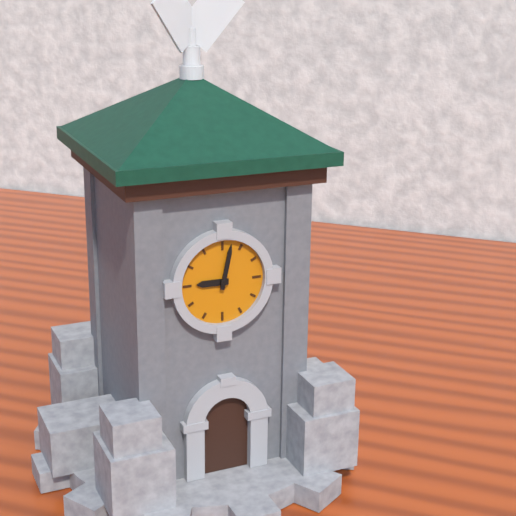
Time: {"hour": 9, "minute": 2}
